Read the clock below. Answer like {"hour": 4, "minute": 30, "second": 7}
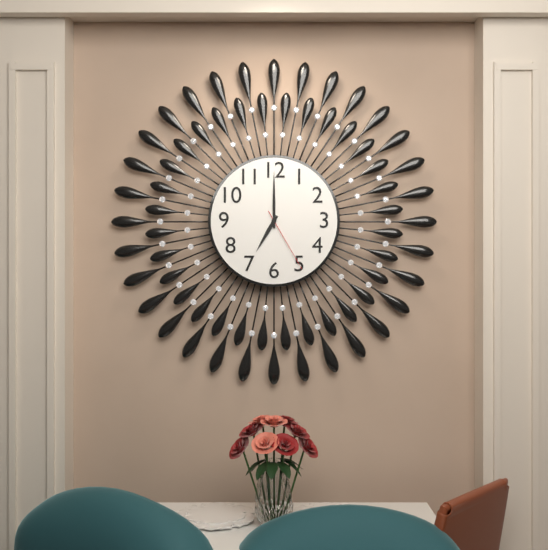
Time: {"hour": 7, "minute": 0, "second": 25}
